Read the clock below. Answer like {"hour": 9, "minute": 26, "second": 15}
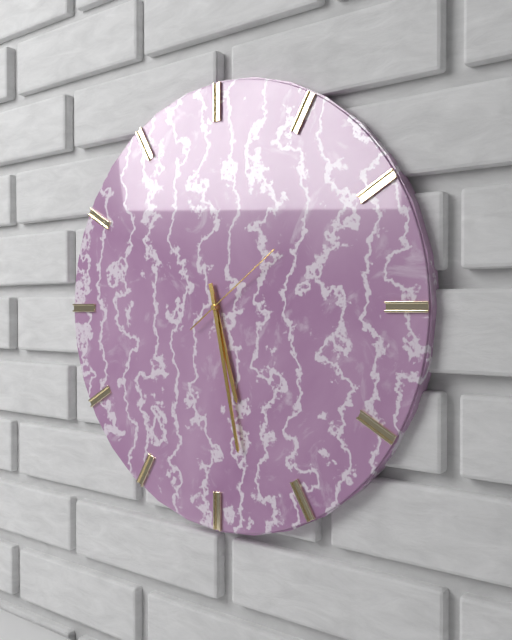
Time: {"hour": 5, "minute": 28, "second": 9}
